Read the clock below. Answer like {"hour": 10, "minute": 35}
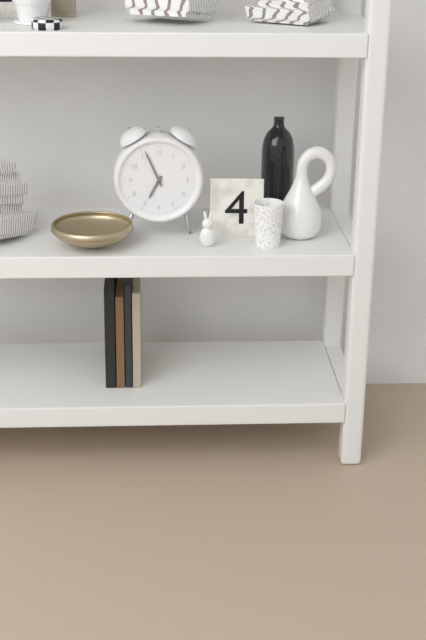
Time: {"hour": 6, "minute": 56}
